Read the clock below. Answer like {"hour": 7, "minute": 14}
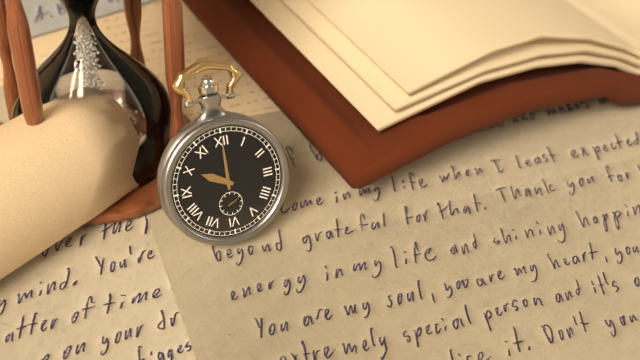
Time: {"hour": 10, "minute": 0}
